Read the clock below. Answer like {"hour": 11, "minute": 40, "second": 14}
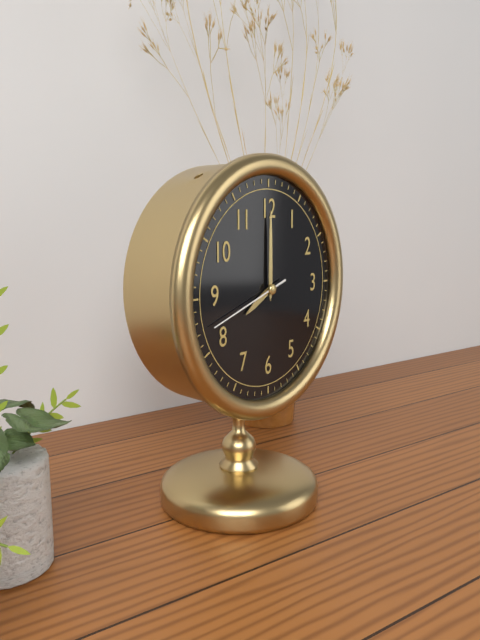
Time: {"hour": 8, "minute": 0, "second": 42}
